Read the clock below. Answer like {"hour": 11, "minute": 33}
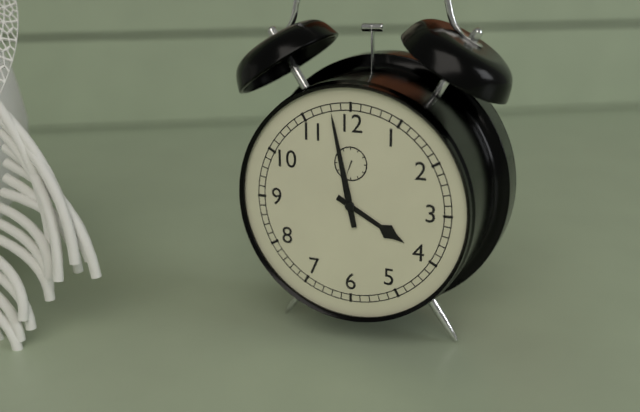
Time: {"hour": 3, "minute": 58}
